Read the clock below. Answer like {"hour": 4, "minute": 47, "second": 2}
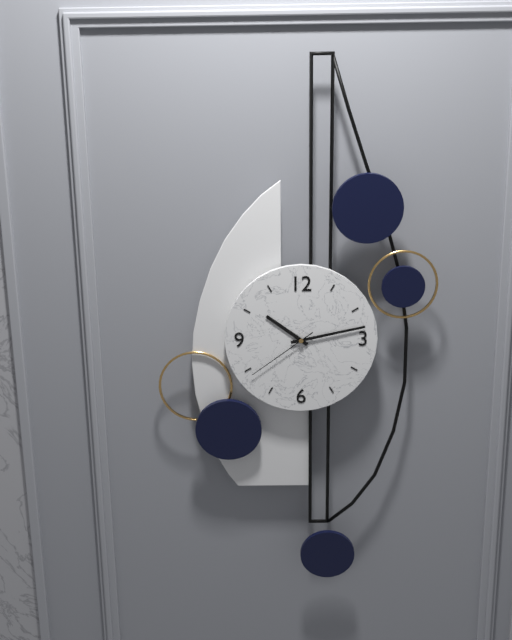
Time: {"hour": 10, "minute": 13, "second": 39}
